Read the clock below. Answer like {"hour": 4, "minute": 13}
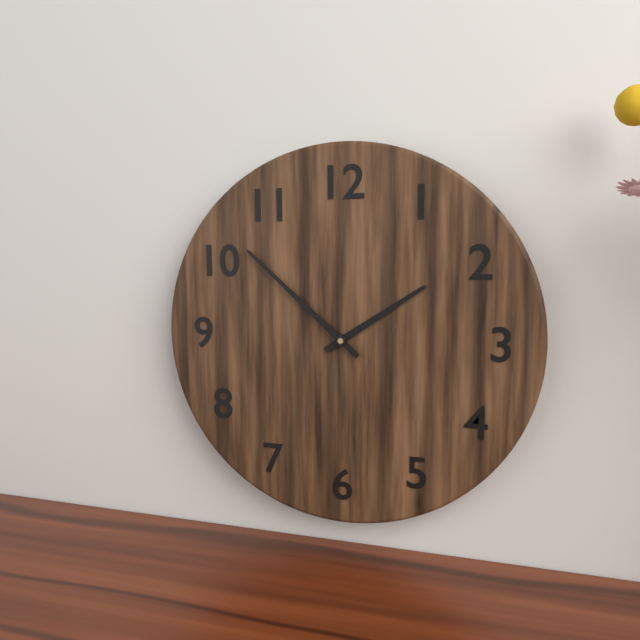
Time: {"hour": 1, "minute": 52}
